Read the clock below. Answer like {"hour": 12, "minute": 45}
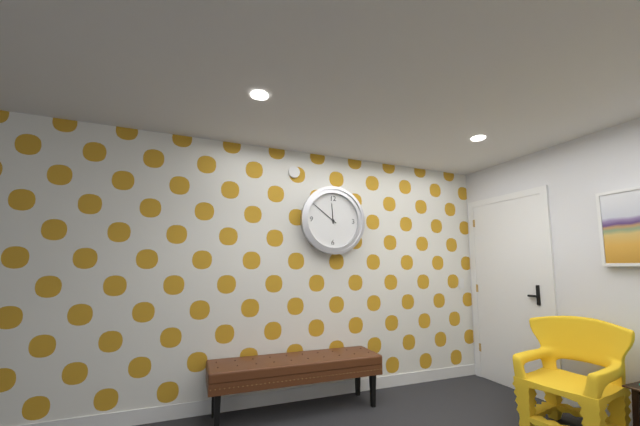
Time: {"hour": 11, "minute": 51}
